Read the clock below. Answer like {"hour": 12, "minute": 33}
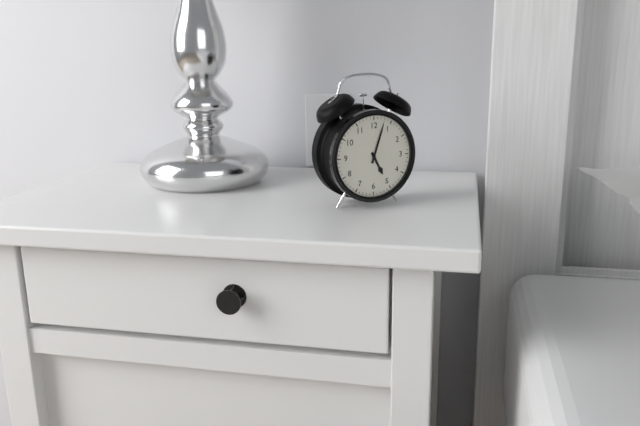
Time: {"hour": 5, "minute": 3}
